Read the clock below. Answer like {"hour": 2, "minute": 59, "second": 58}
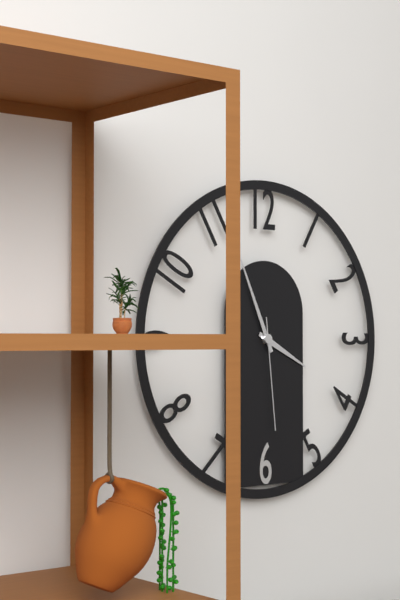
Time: {"hour": 3, "minute": 56, "second": 29}
